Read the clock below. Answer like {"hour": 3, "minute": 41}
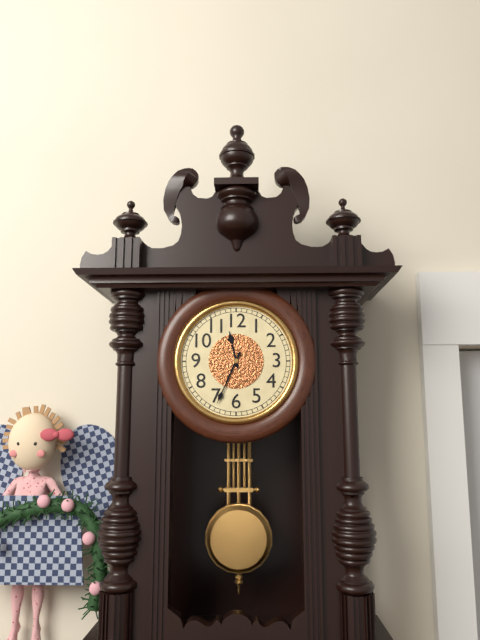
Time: {"hour": 11, "minute": 34}
